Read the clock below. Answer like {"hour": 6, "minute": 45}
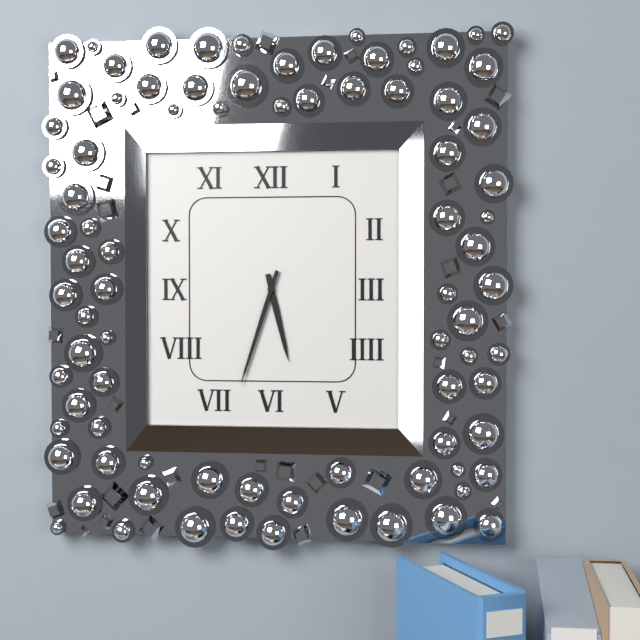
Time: {"hour": 5, "minute": 33}
